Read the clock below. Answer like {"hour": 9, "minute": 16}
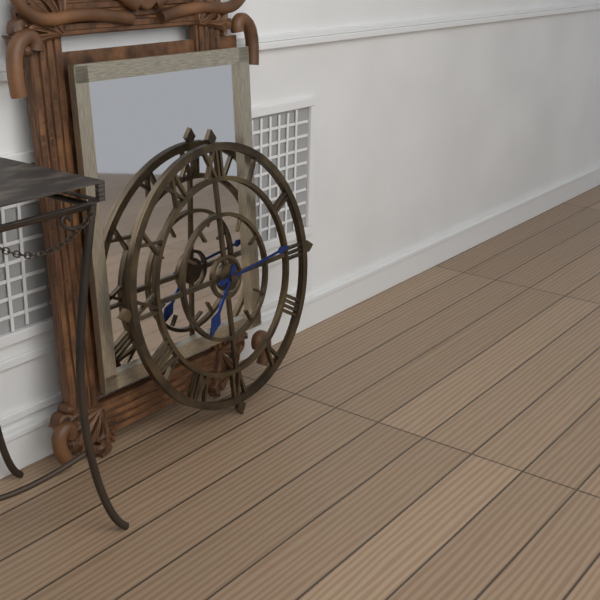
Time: {"hour": 7, "minute": 14}
